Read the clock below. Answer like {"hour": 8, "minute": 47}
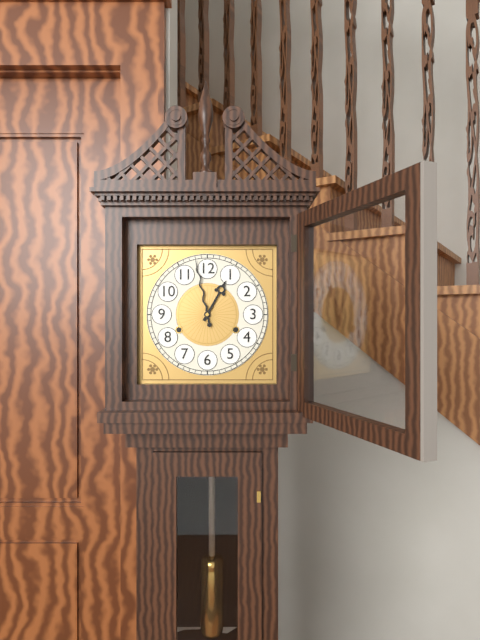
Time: {"hour": 12, "minute": 58}
